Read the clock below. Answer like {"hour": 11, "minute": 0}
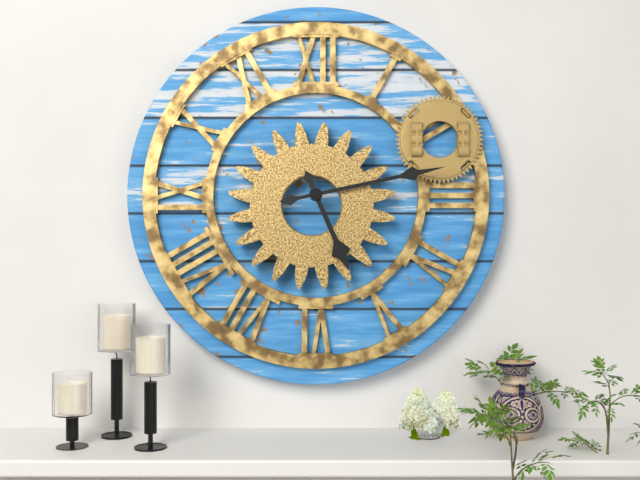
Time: {"hour": 5, "minute": 13}
